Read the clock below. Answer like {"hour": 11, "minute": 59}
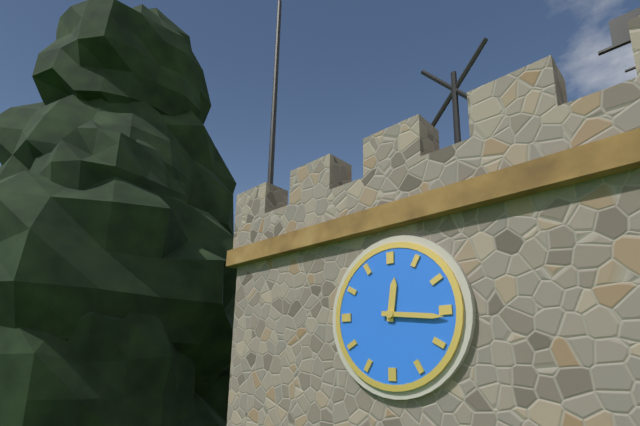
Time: {"hour": 12, "minute": 16}
